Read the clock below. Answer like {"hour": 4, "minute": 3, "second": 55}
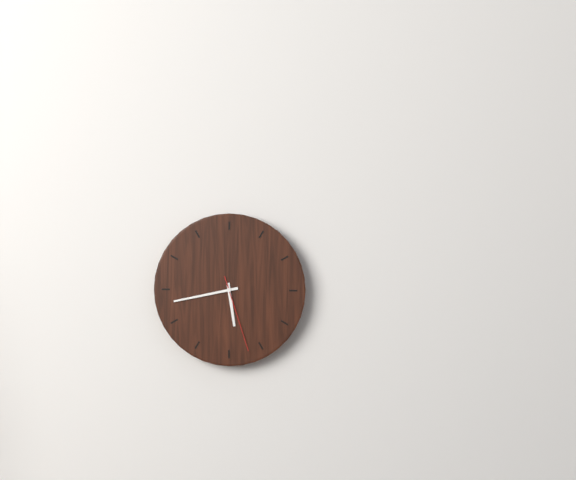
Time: {"hour": 5, "minute": 43, "second": 27}
